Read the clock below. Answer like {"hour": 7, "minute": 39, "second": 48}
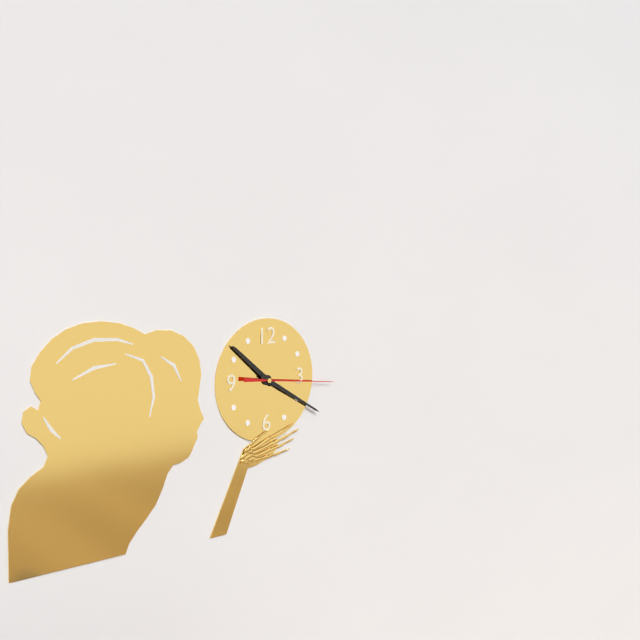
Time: {"hour": 10, "minute": 20, "second": 16}
